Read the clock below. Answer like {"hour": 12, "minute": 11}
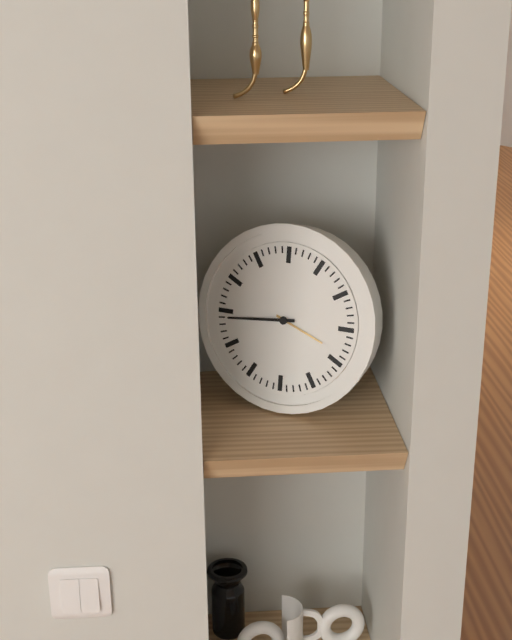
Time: {"hour": 3, "minute": 44}
